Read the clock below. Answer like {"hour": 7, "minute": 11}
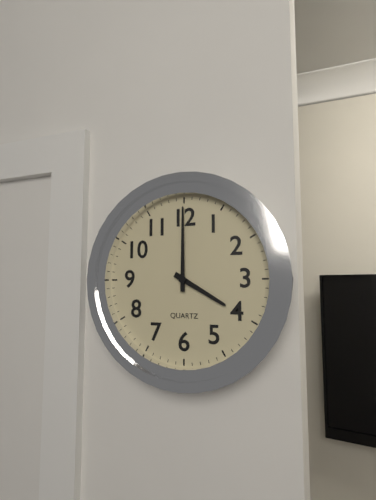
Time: {"hour": 4, "minute": 0}
